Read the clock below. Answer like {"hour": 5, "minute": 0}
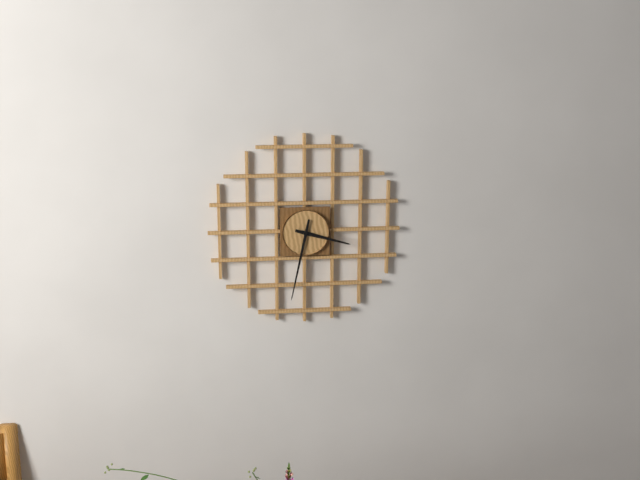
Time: {"hour": 3, "minute": 32}
